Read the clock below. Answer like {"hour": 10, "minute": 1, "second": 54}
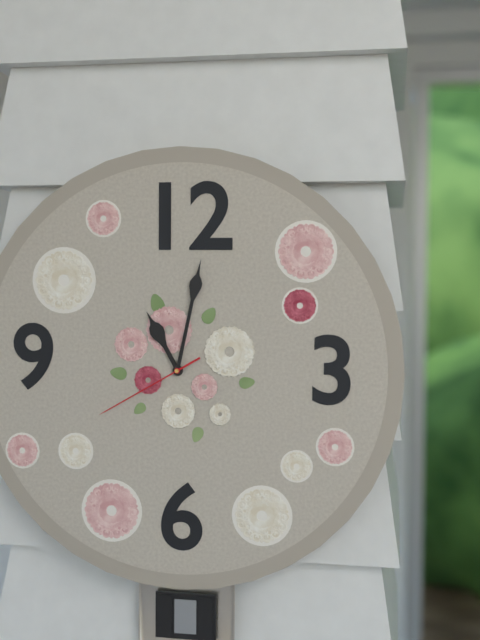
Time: {"hour": 11, "minute": 2, "second": 40}
